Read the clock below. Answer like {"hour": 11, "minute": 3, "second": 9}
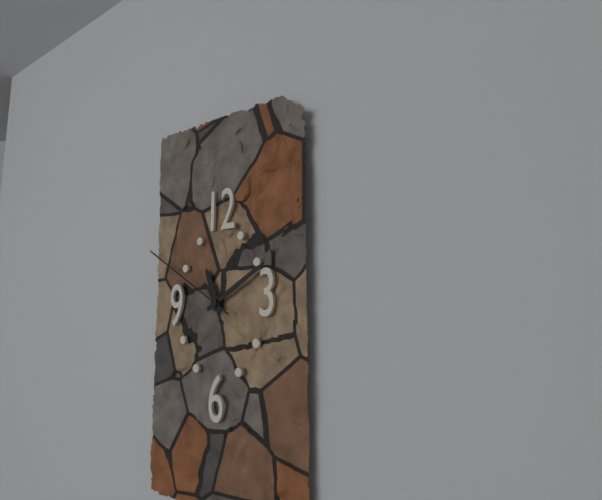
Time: {"hour": 11, "minute": 10, "second": 50}
